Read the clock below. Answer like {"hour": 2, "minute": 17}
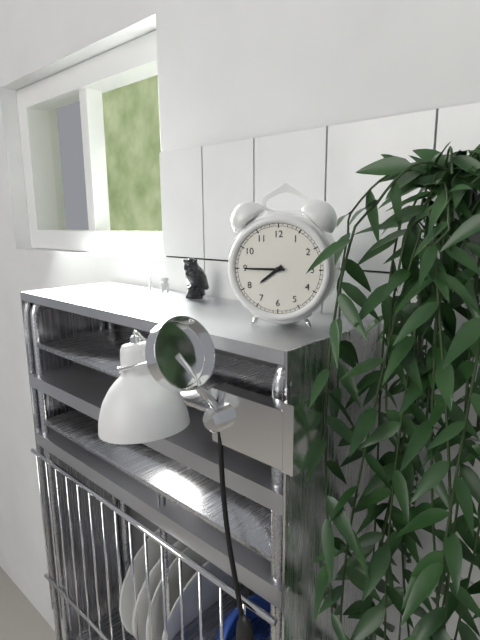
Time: {"hour": 7, "minute": 45}
